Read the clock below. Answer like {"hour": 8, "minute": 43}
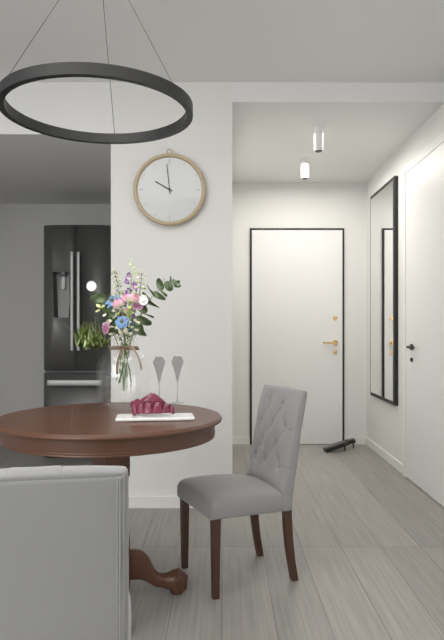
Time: {"hour": 9, "minute": 59}
